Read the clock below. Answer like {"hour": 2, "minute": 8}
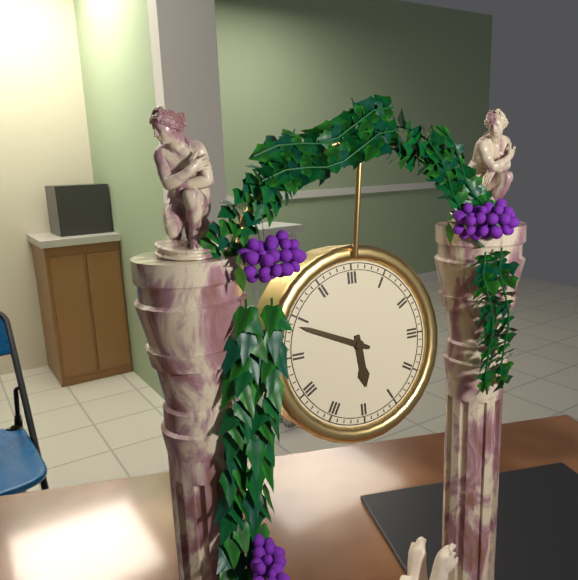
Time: {"hour": 5, "minute": 49}
